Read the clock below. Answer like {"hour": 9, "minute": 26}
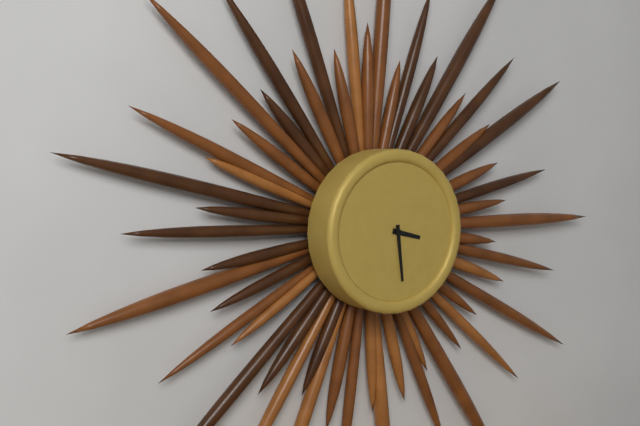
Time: {"hour": 3, "minute": 29}
